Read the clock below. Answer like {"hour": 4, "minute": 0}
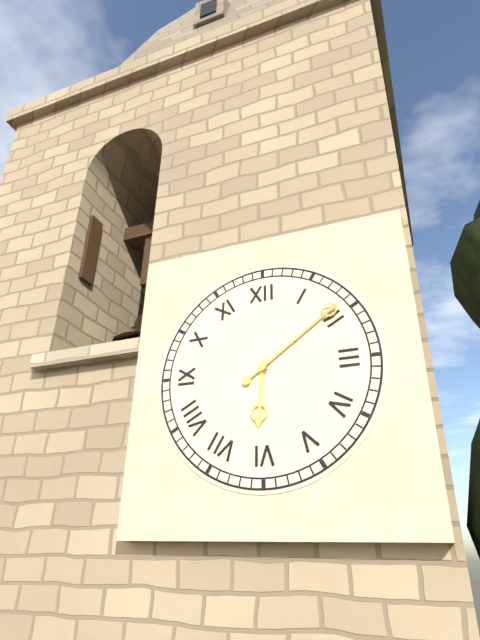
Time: {"hour": 6, "minute": 9}
